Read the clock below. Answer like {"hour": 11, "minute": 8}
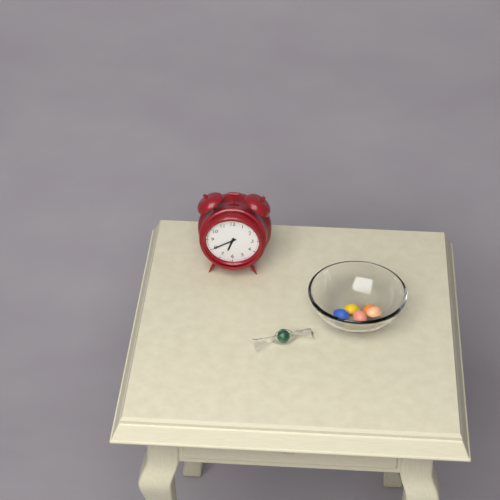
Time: {"hour": 6, "minute": 40}
